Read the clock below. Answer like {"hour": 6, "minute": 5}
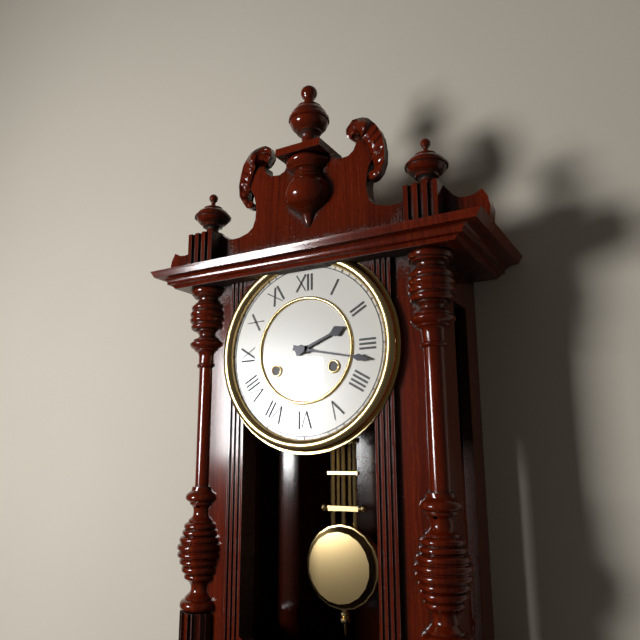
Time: {"hour": 2, "minute": 17}
